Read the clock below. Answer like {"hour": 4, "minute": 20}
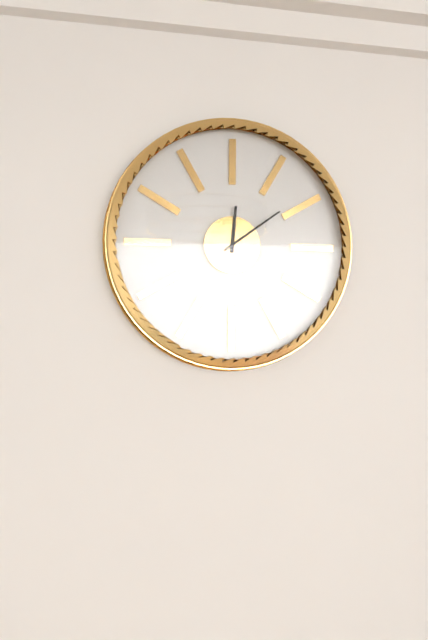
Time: {"hour": 12, "minute": 9}
